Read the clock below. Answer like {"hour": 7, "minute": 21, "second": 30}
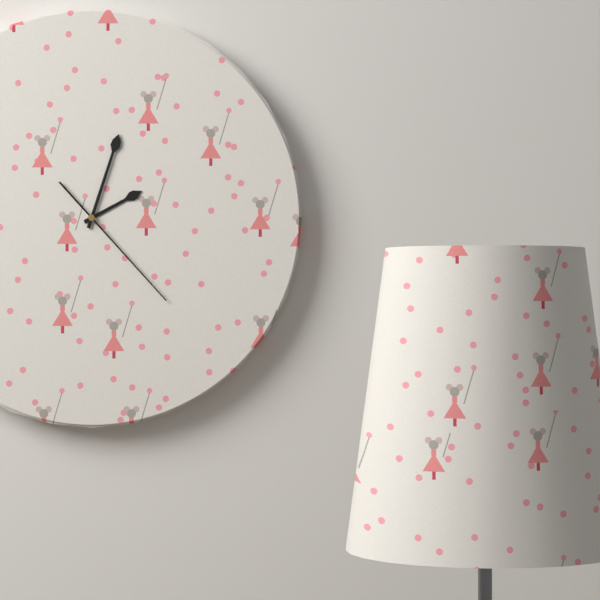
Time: {"hour": 2, "minute": 3, "second": 23}
